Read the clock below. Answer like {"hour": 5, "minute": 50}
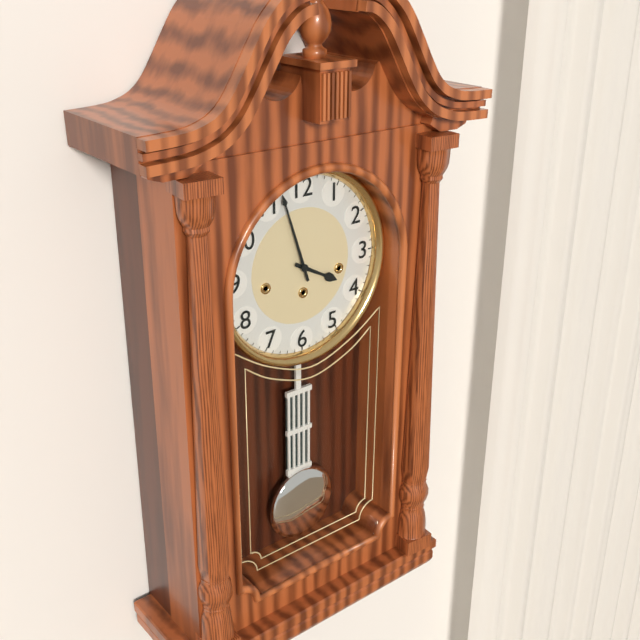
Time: {"hour": 3, "minute": 57}
